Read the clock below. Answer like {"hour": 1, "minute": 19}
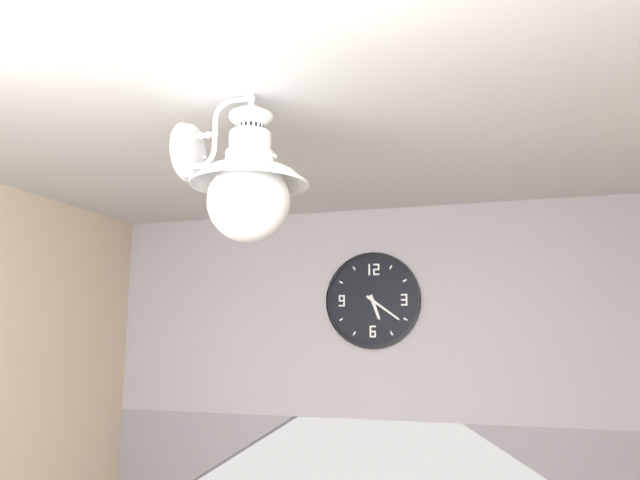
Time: {"hour": 5, "minute": 21}
